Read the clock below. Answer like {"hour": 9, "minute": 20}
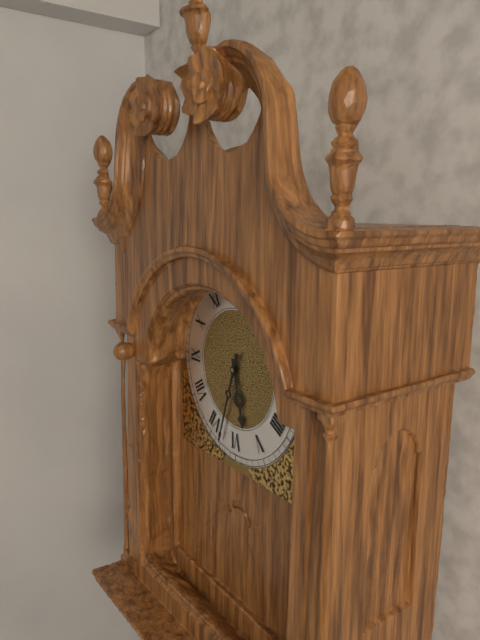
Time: {"hour": 5, "minute": 33}
